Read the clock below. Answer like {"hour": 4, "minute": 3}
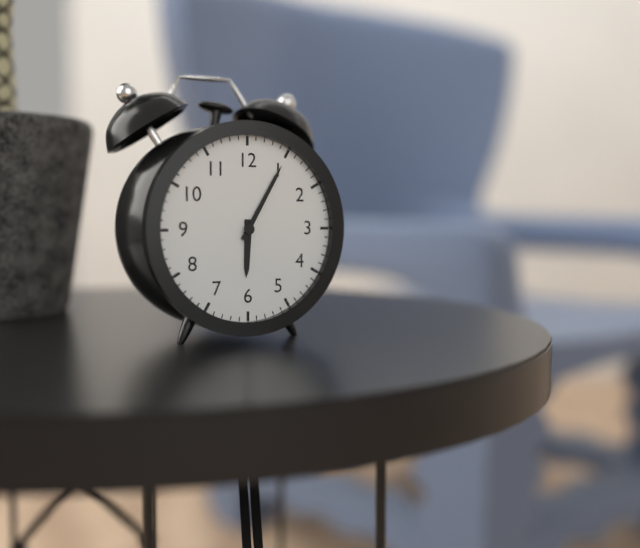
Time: {"hour": 6, "minute": 5}
